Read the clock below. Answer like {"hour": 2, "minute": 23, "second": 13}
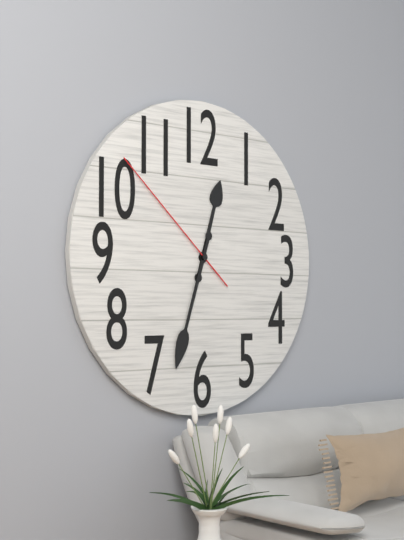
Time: {"hour": 12, "minute": 33, "second": 52}
